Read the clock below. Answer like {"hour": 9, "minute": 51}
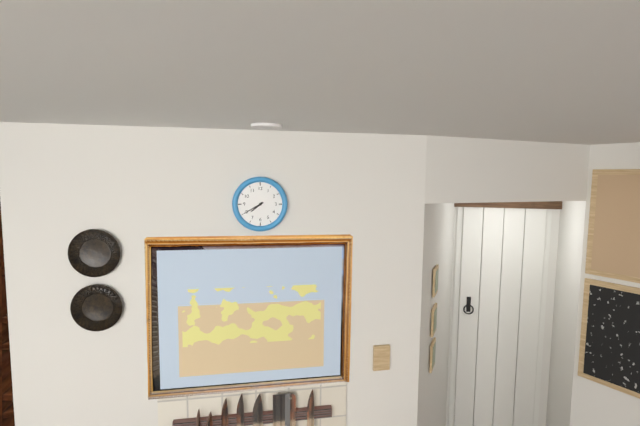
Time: {"hour": 7, "minute": 40}
